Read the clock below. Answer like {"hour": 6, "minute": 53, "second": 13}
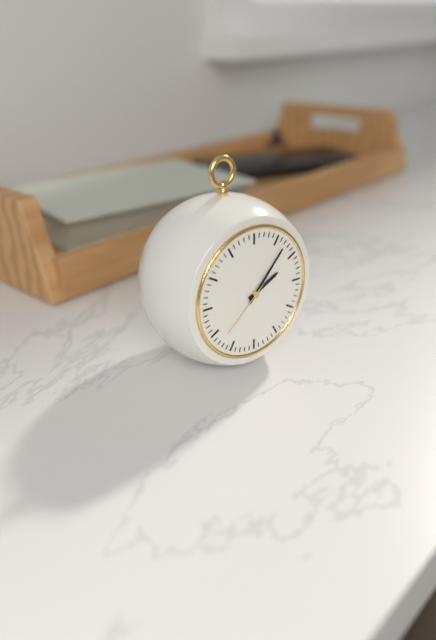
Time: {"hour": 2, "minute": 7, "second": 38}
